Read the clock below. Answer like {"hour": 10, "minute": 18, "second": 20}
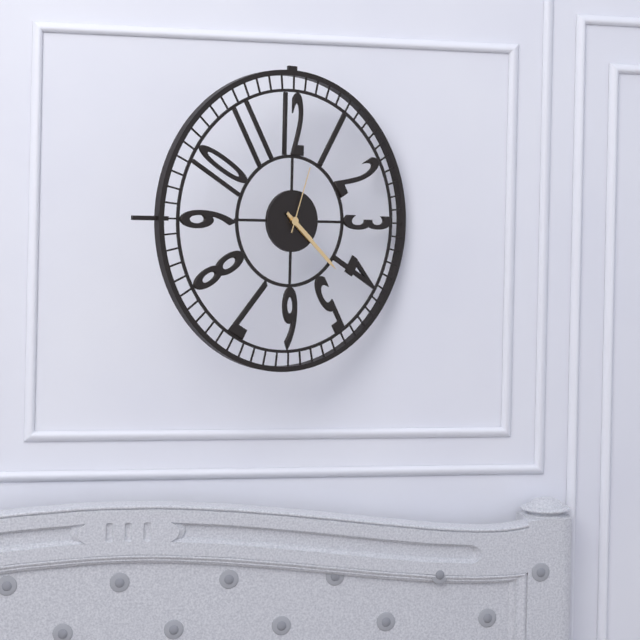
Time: {"hour": 4, "minute": 22, "second": 3}
